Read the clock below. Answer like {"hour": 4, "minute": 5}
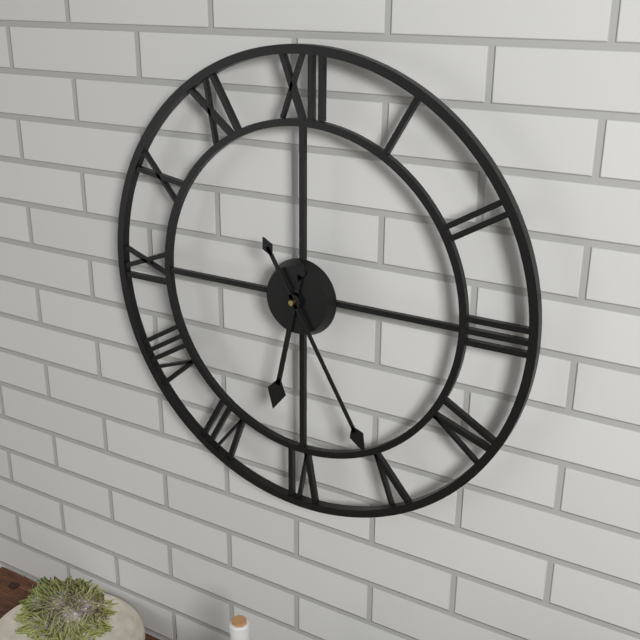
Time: {"hour": 6, "minute": 25}
